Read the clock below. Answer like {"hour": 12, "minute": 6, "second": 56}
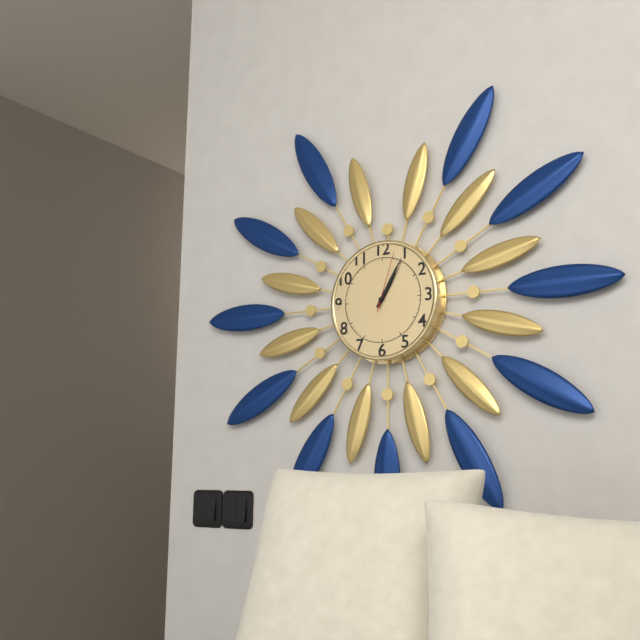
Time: {"hour": 1, "minute": 5, "second": 3}
